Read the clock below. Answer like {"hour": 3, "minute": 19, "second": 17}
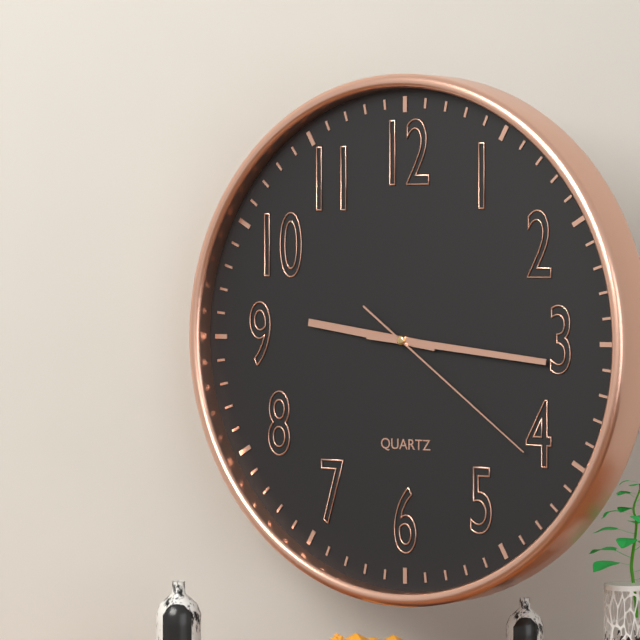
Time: {"hour": 9, "minute": 16, "second": 21}
